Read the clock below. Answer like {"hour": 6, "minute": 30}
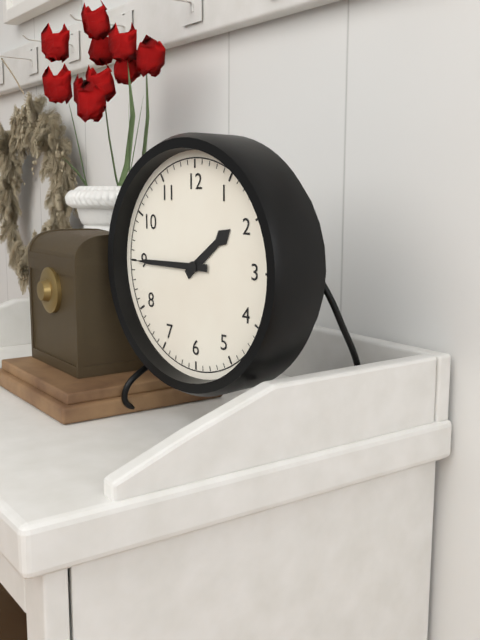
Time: {"hour": 1, "minute": 45}
